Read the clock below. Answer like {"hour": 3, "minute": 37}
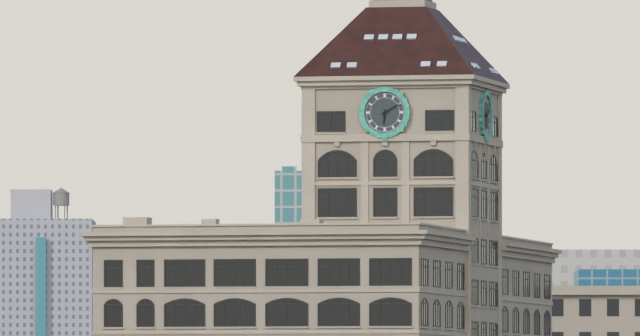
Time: {"hour": 6, "minute": 10}
